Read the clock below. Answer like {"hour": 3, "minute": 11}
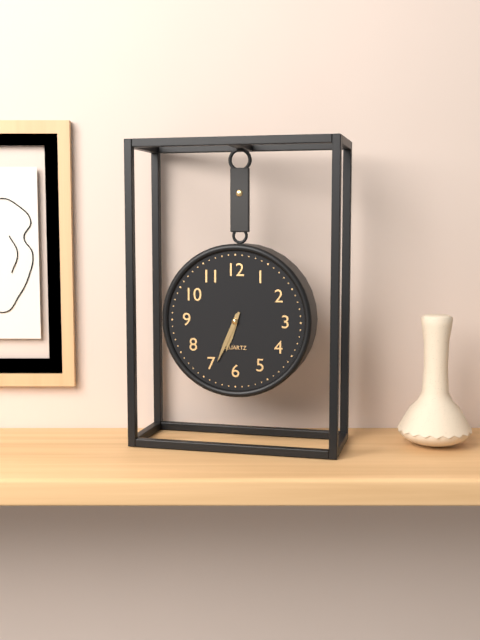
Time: {"hour": 6, "minute": 34}
